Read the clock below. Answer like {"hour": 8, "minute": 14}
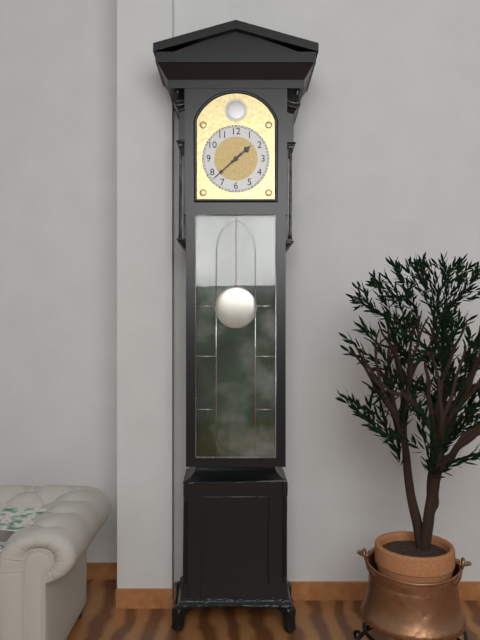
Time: {"hour": 1, "minute": 38}
